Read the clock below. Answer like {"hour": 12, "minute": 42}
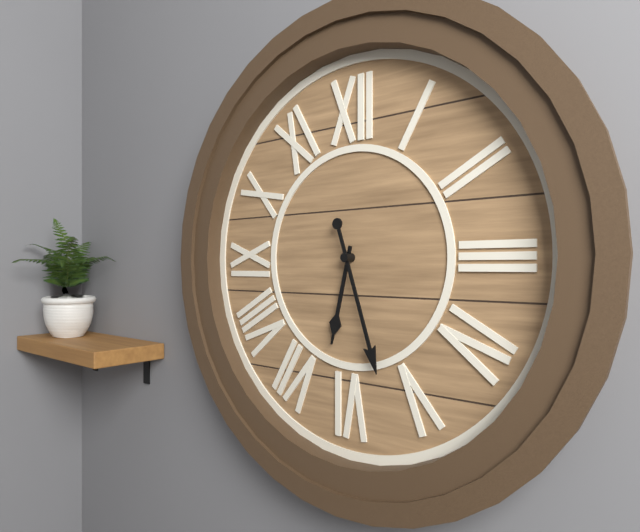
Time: {"hour": 6, "minute": 27}
